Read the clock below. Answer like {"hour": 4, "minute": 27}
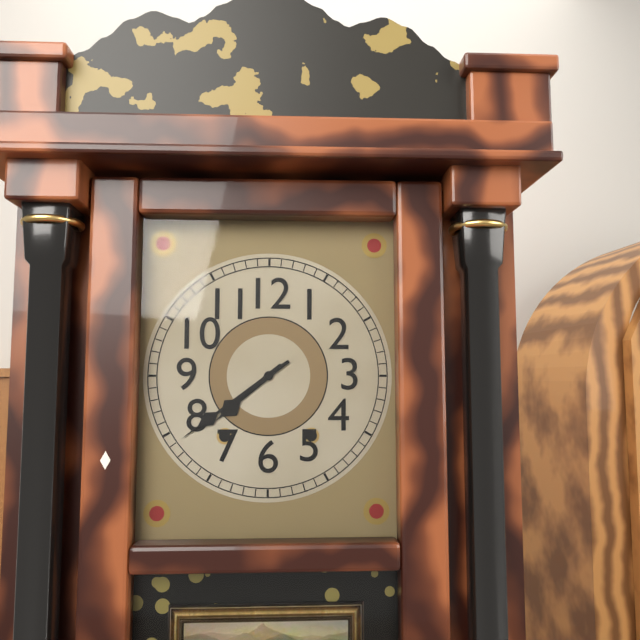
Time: {"hour": 7, "minute": 39}
